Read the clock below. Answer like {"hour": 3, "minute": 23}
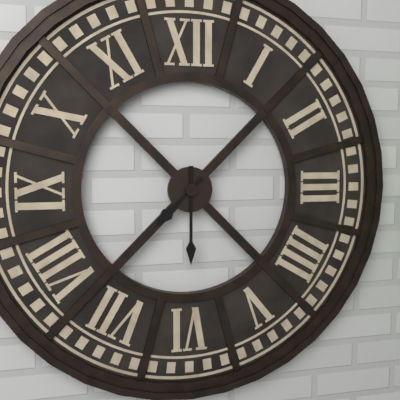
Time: {"hour": 7, "minute": 30}
